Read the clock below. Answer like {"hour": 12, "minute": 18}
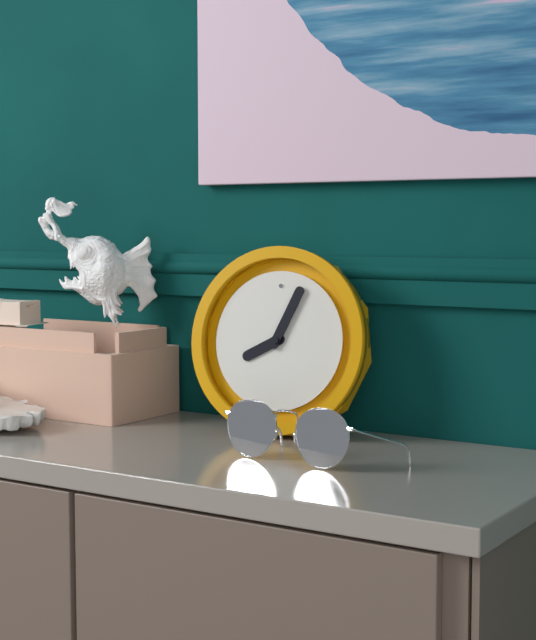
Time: {"hour": 8, "minute": 4}
